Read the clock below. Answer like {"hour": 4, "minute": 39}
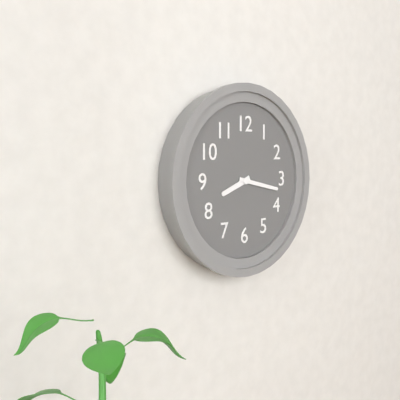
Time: {"hour": 8, "minute": 17}
